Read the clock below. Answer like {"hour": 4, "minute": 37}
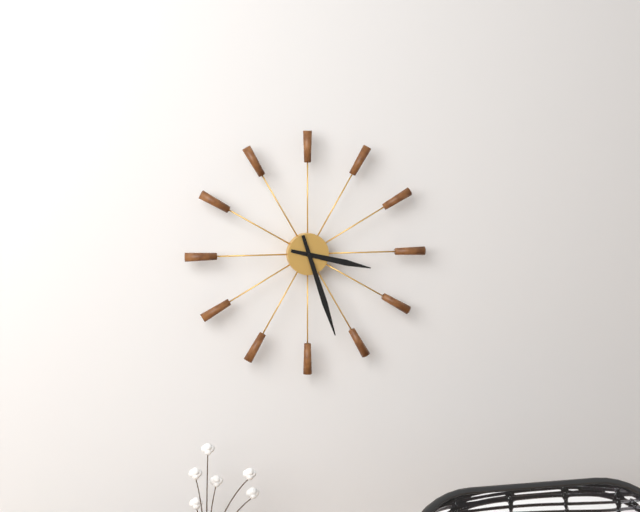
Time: {"hour": 3, "minute": 27}
